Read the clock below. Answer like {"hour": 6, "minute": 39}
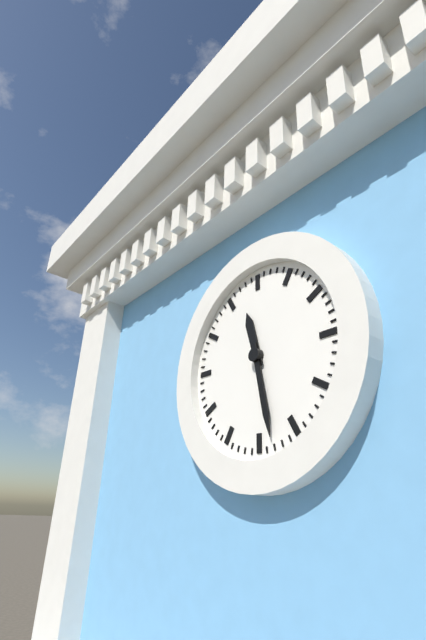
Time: {"hour": 11, "minute": 28}
